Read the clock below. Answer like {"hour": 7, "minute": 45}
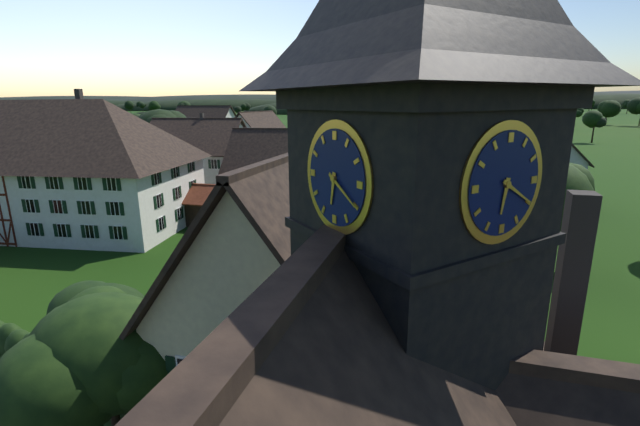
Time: {"hour": 6, "minute": 20}
